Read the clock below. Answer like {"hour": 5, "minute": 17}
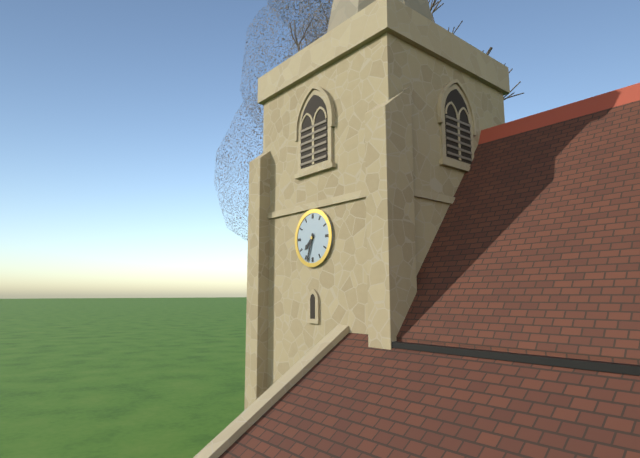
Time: {"hour": 7, "minute": 33}
